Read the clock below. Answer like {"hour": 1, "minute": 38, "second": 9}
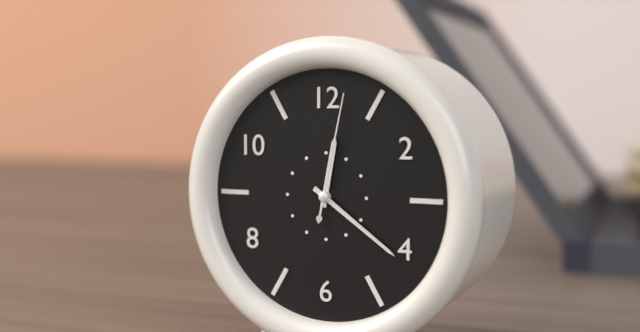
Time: {"hour": 12, "minute": 21, "second": 2}
